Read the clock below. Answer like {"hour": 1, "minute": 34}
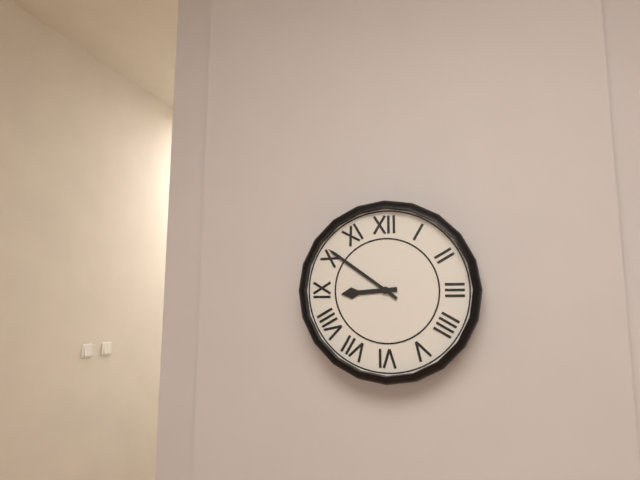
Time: {"hour": 8, "minute": 51}
